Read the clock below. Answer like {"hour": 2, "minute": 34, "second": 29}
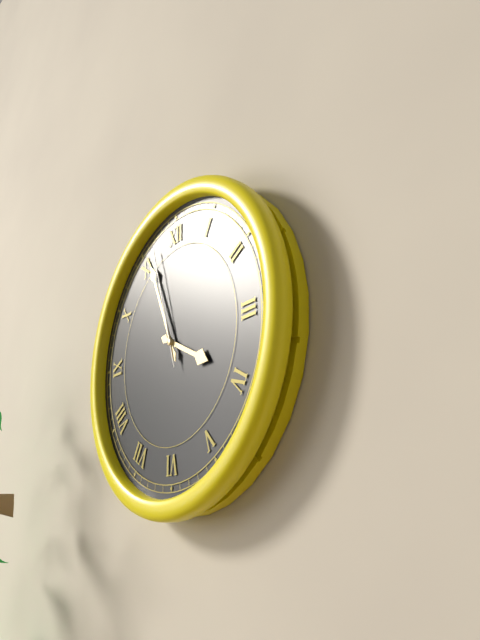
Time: {"hour": 3, "minute": 56, "second": 57}
